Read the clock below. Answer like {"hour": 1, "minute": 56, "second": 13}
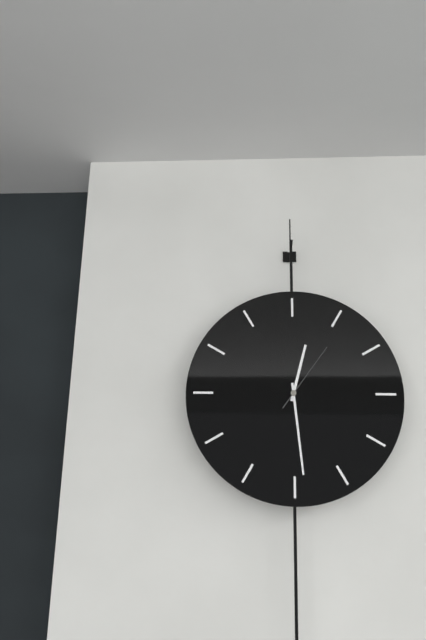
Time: {"hour": 12, "minute": 29, "second": 6}
